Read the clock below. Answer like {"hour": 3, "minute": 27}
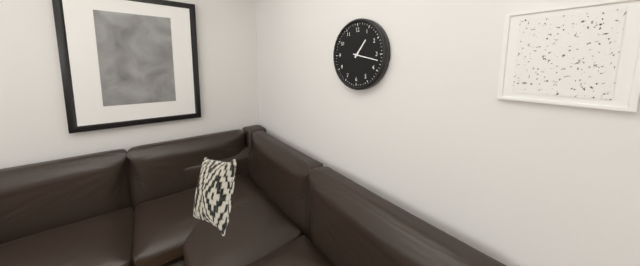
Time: {"hour": 1, "minute": 17}
